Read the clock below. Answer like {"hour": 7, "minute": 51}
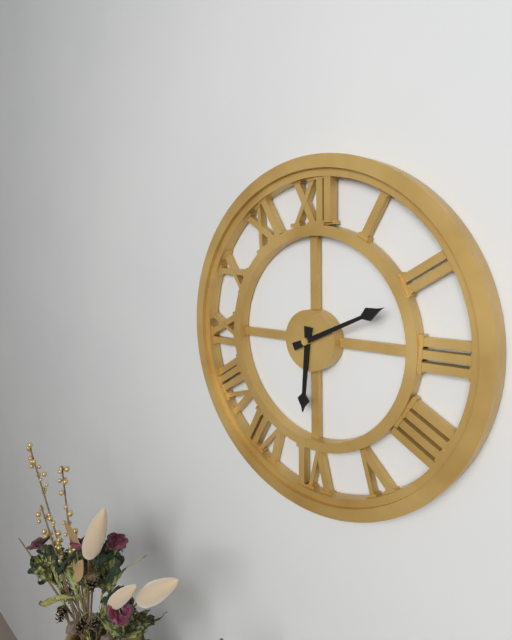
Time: {"hour": 6, "minute": 11}
